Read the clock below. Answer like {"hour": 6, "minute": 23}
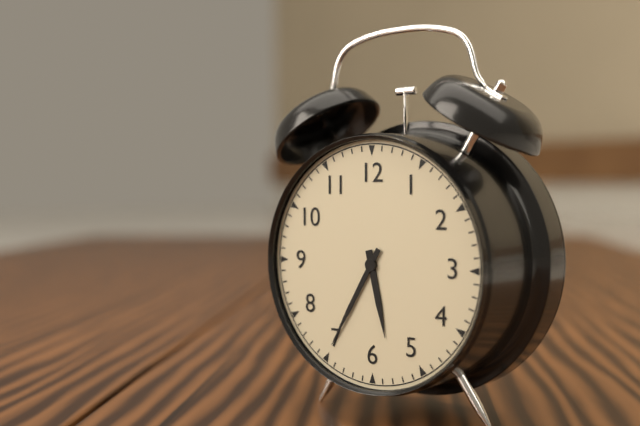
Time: {"hour": 5, "minute": 35}
